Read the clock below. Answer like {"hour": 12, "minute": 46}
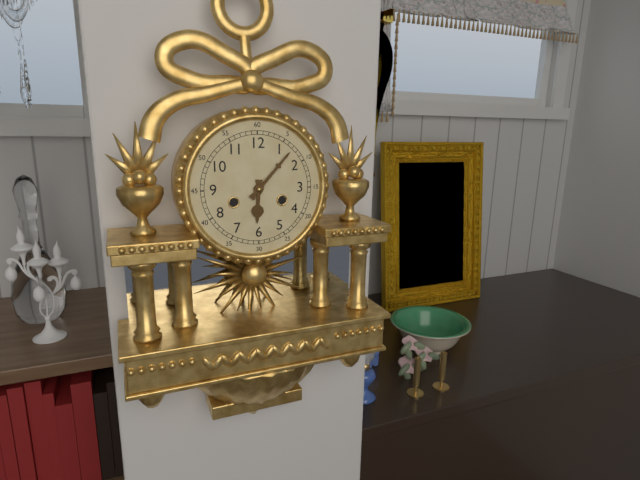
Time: {"hour": 6, "minute": 7}
